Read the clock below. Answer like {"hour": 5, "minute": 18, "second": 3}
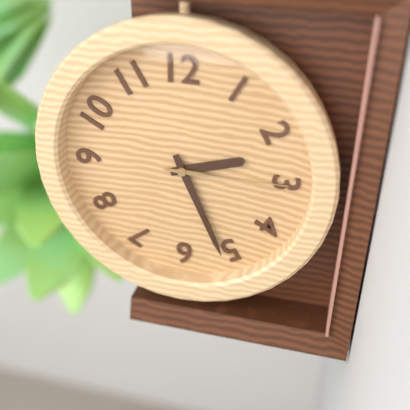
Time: {"hour": 2, "minute": 26, "second": 15}
